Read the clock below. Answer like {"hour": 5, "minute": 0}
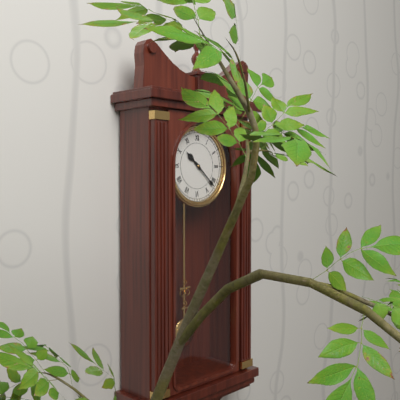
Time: {"hour": 10, "minute": 22}
